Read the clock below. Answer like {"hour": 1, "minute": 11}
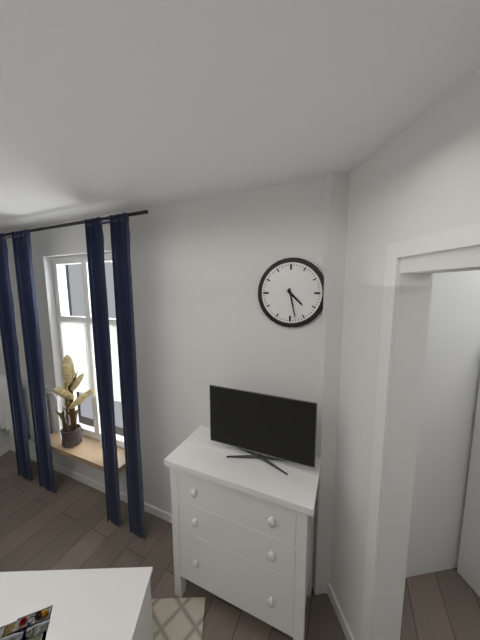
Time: {"hour": 4, "minute": 28}
